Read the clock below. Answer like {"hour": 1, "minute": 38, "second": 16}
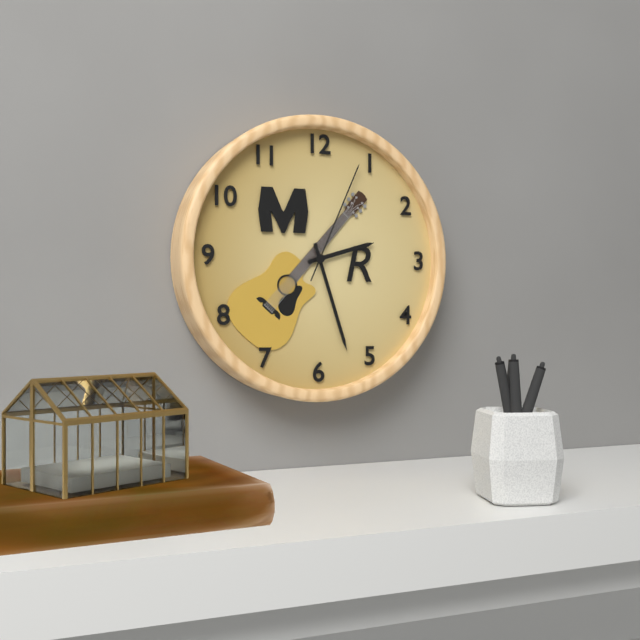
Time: {"hour": 2, "minute": 27, "second": 4}
